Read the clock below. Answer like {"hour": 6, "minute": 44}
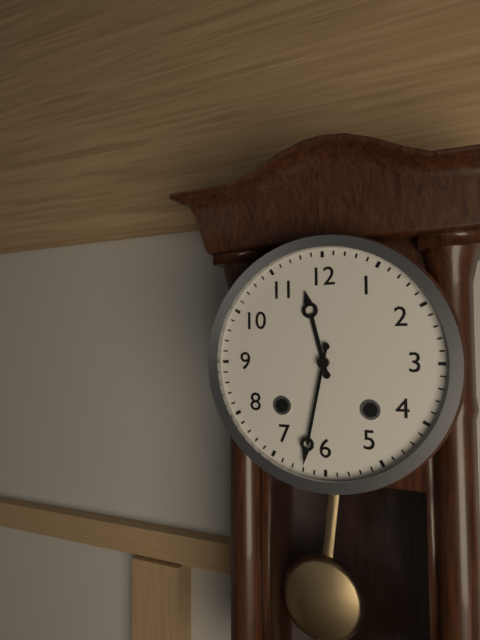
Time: {"hour": 11, "minute": 32}
